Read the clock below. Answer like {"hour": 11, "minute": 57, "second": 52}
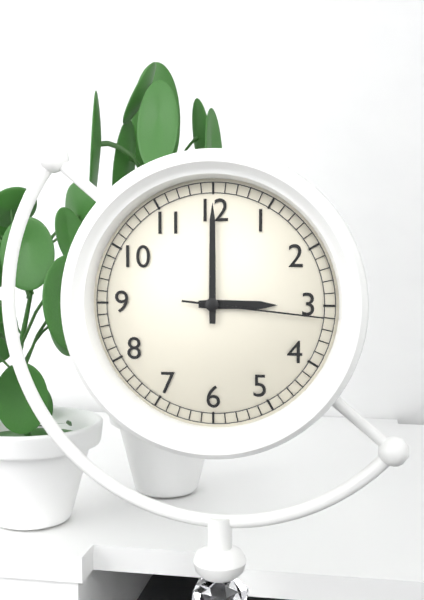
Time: {"hour": 3, "minute": 0, "second": 16}
